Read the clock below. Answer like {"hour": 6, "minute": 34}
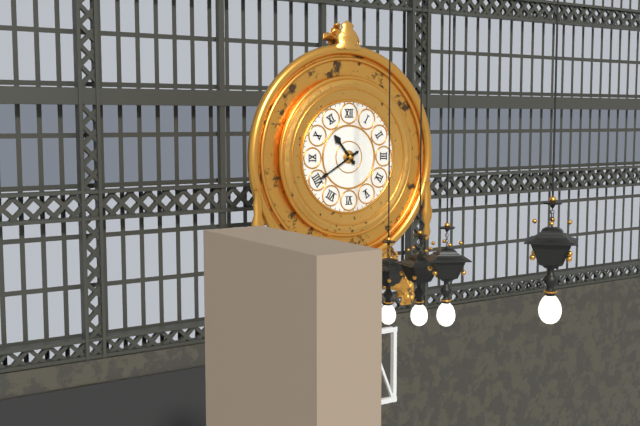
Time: {"hour": 10, "minute": 40}
